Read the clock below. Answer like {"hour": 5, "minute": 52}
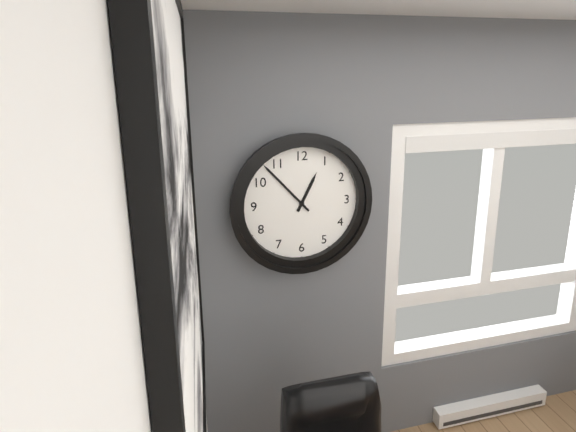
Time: {"hour": 12, "minute": 53}
